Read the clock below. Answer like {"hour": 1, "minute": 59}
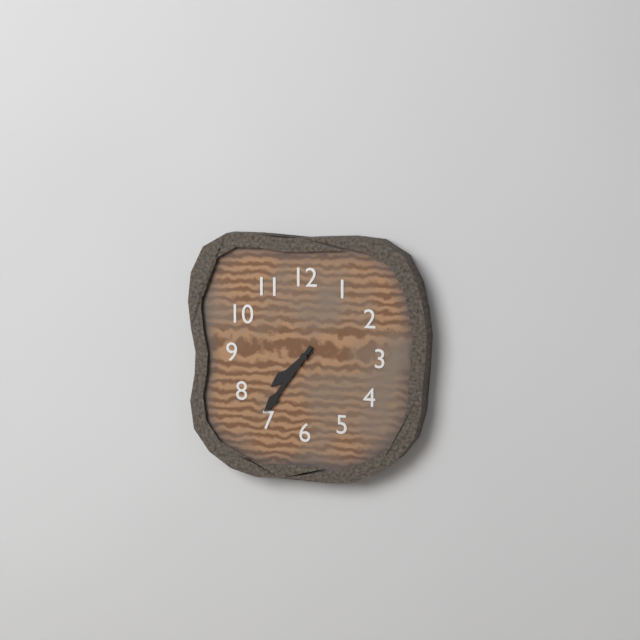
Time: {"hour": 7, "minute": 36}
